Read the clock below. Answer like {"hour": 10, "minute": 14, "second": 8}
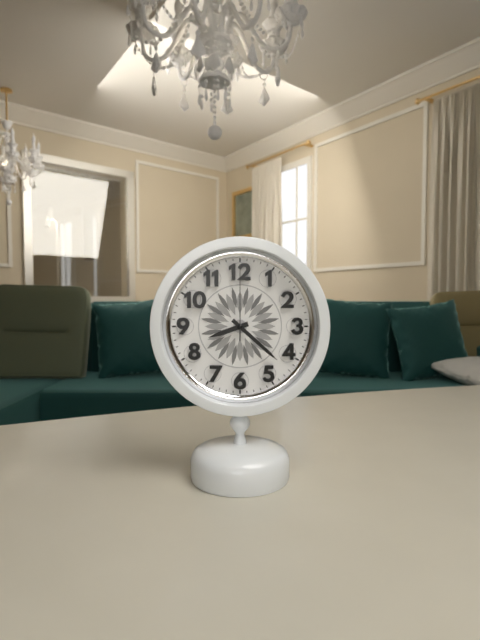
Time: {"hour": 8, "minute": 22, "second": 0}
